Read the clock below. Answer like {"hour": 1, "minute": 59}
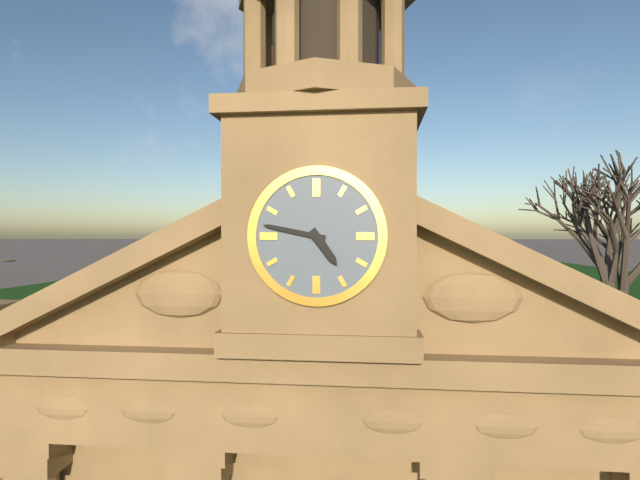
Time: {"hour": 4, "minute": 47}
